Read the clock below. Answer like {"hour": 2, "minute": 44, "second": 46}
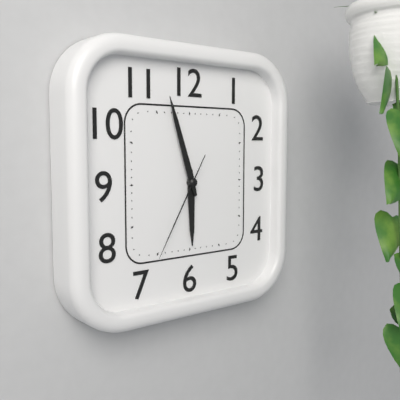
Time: {"hour": 5, "minute": 57, "second": 35}
